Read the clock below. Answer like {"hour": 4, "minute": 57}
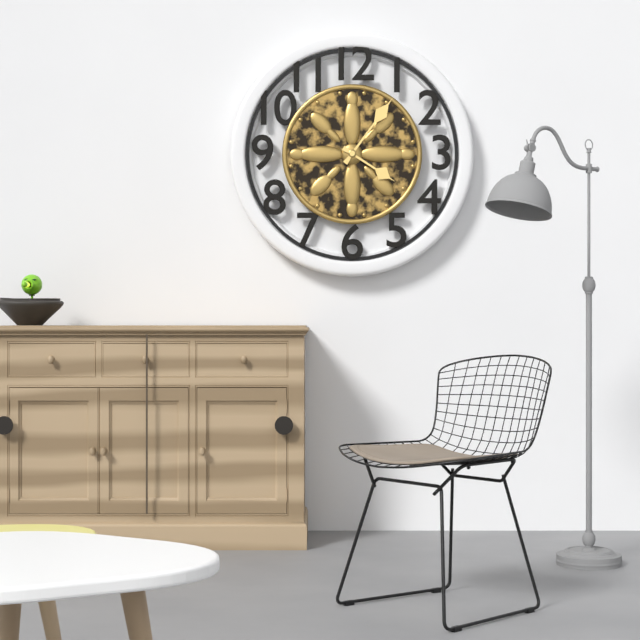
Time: {"hour": 4, "minute": 6}
